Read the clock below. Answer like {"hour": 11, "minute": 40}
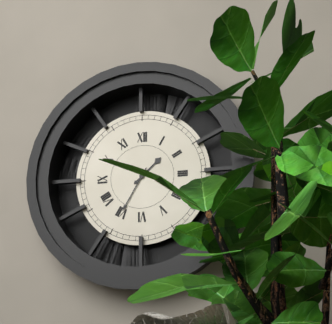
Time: {"hour": 1, "minute": 35}
